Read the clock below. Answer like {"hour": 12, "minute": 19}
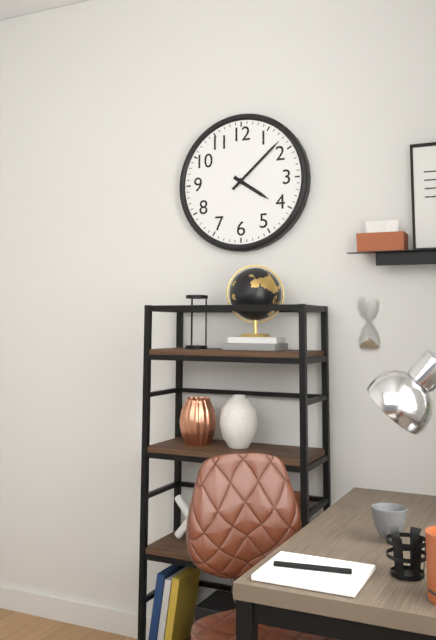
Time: {"hour": 4, "minute": 8}
